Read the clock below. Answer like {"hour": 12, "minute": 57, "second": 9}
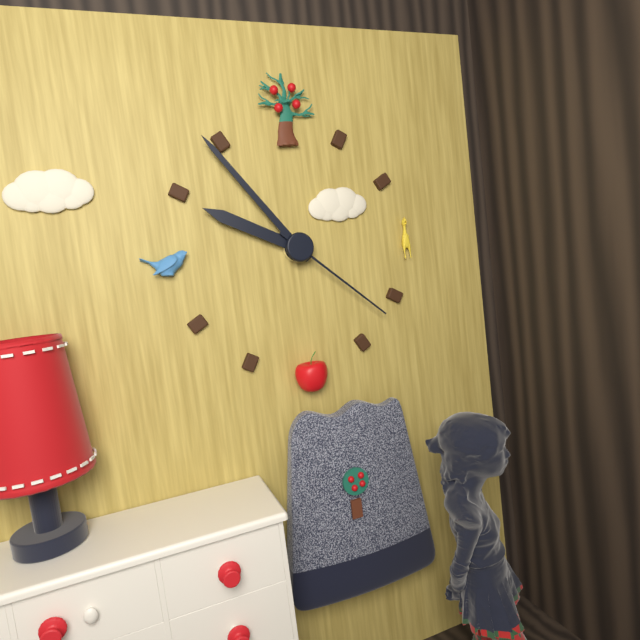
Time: {"hour": 9, "minute": 54, "second": 22}
